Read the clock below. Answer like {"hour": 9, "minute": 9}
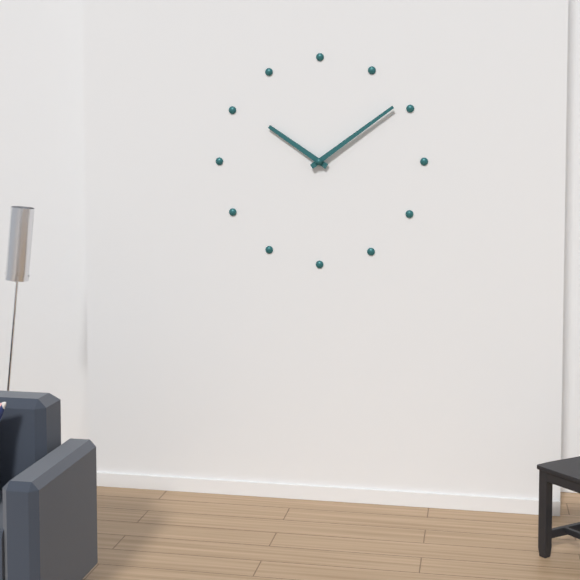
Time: {"hour": 10, "minute": 9}
